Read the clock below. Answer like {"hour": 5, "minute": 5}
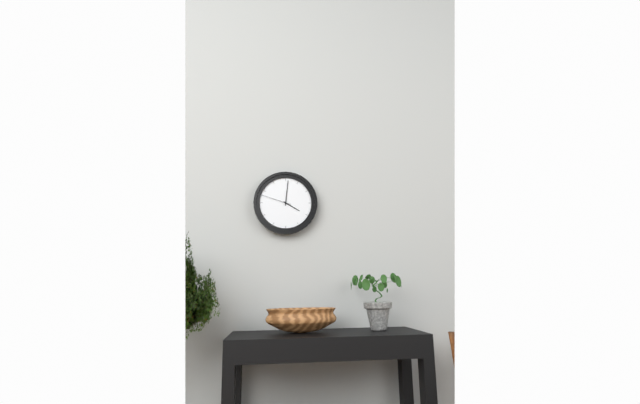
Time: {"hour": 4, "minute": 1}
